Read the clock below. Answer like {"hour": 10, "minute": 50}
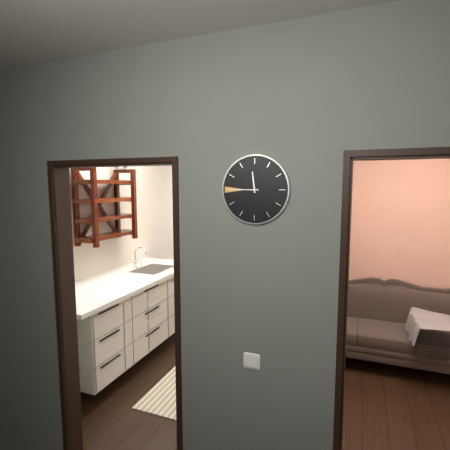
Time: {"hour": 11, "minute": 45}
